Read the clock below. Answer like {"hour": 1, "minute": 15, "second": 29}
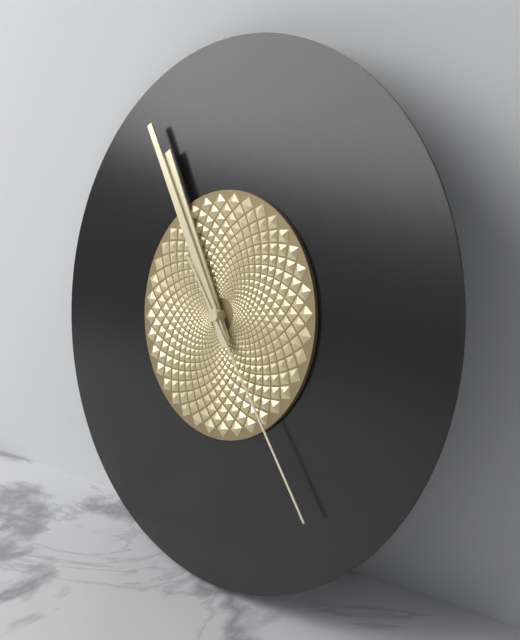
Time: {"hour": 10, "minute": 54, "second": 23}
